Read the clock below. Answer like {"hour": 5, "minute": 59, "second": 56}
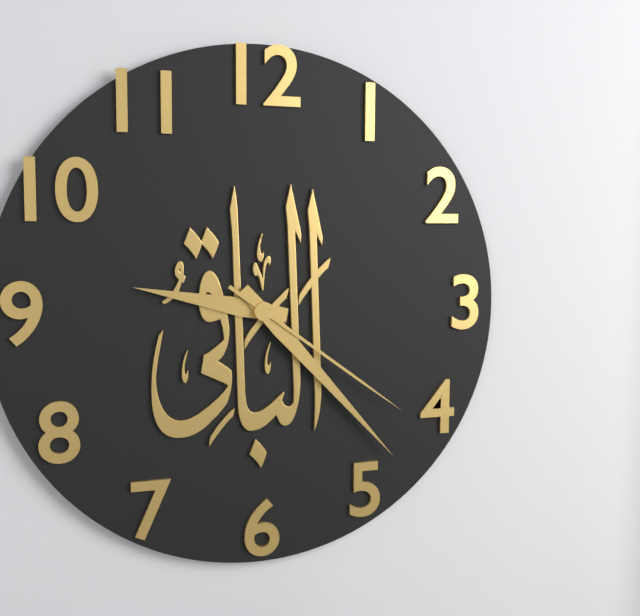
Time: {"hour": 9, "minute": 23, "second": 21}
